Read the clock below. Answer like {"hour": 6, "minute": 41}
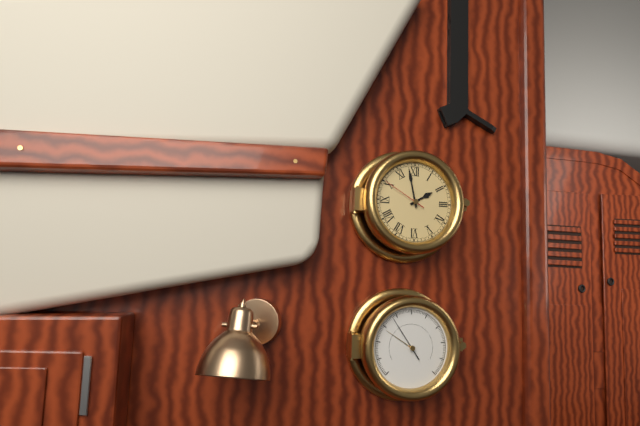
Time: {"hour": 1, "minute": 58}
